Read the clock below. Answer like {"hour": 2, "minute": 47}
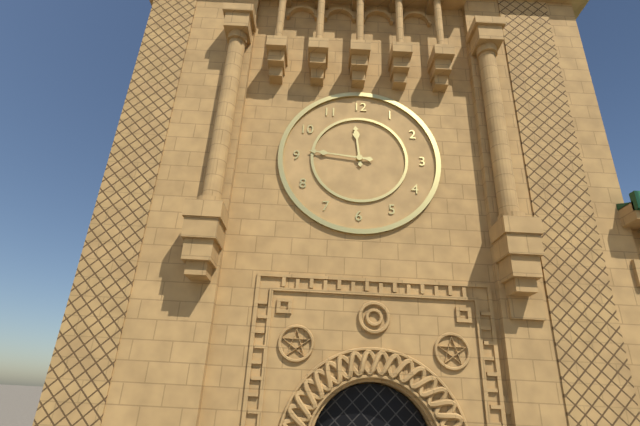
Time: {"hour": 11, "minute": 46}
